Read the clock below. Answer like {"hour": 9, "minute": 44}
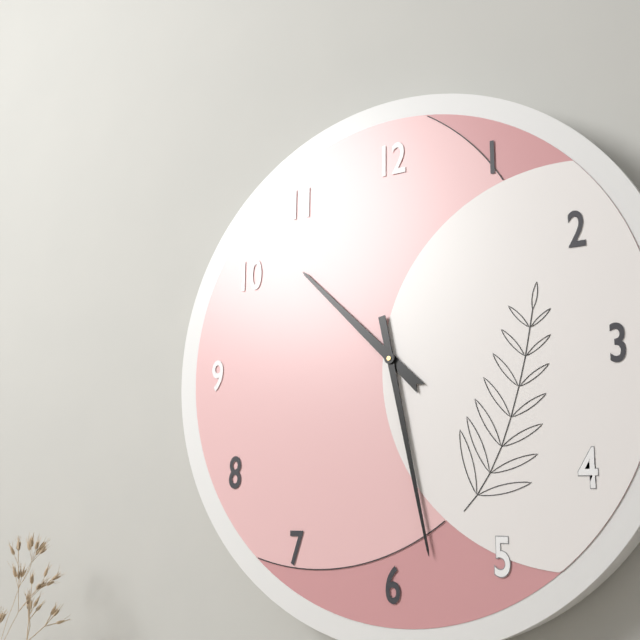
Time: {"hour": 10, "minute": 28}
